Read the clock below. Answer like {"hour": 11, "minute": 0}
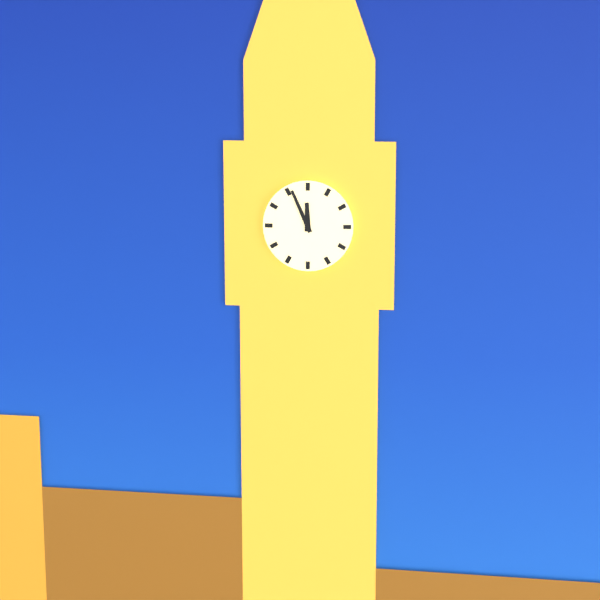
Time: {"hour": 11, "minute": 56}
